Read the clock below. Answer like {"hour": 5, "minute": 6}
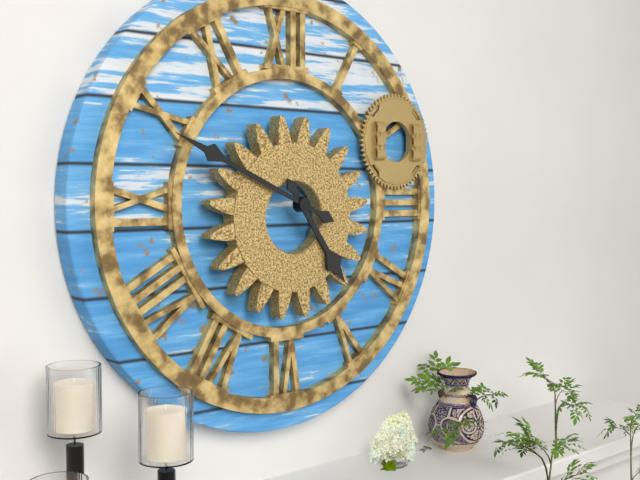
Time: {"hour": 4, "minute": 49}
